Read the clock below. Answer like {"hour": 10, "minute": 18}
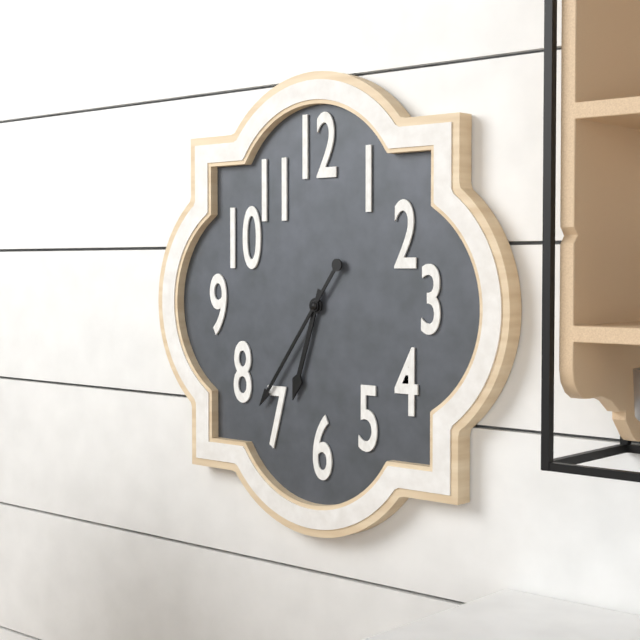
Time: {"hour": 6, "minute": 36}
